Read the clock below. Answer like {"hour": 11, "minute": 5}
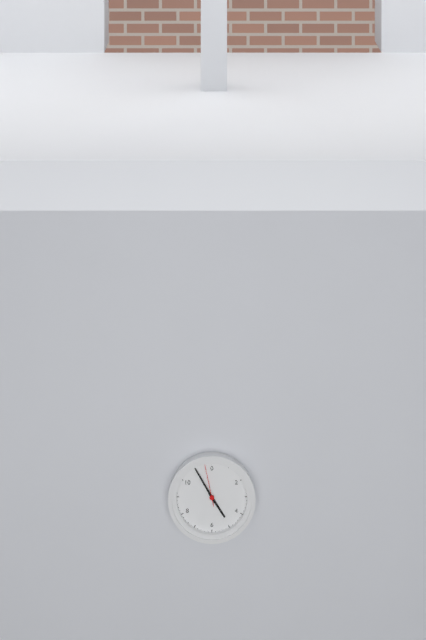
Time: {"hour": 4, "minute": 55}
